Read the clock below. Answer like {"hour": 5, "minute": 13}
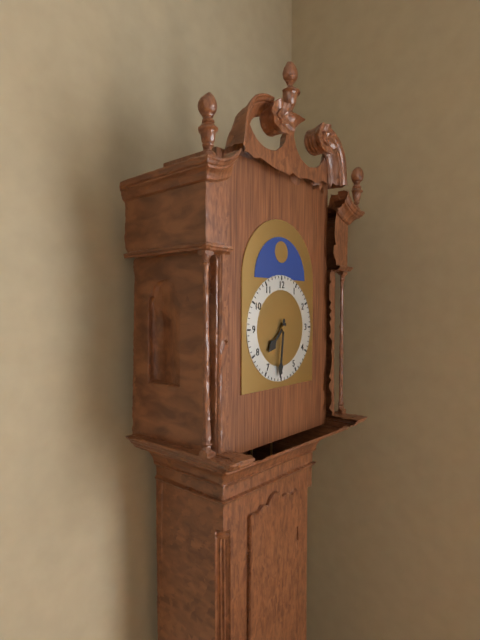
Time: {"hour": 7, "minute": 31}
